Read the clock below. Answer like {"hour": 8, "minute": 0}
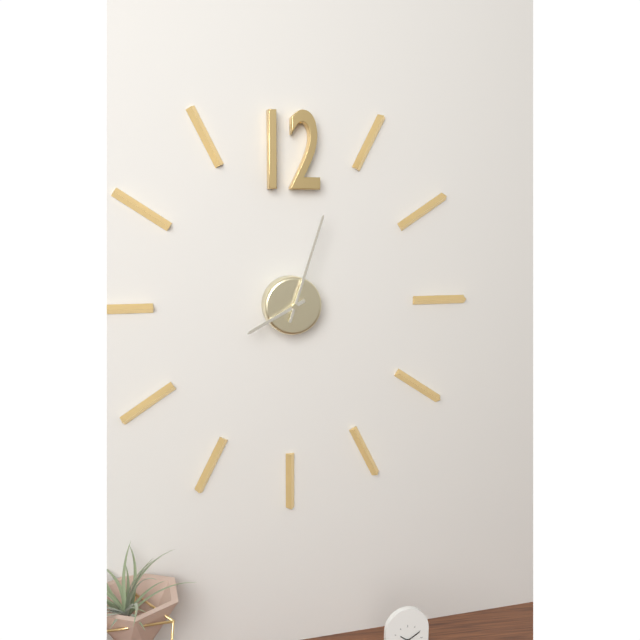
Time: {"hour": 8, "minute": 3}
